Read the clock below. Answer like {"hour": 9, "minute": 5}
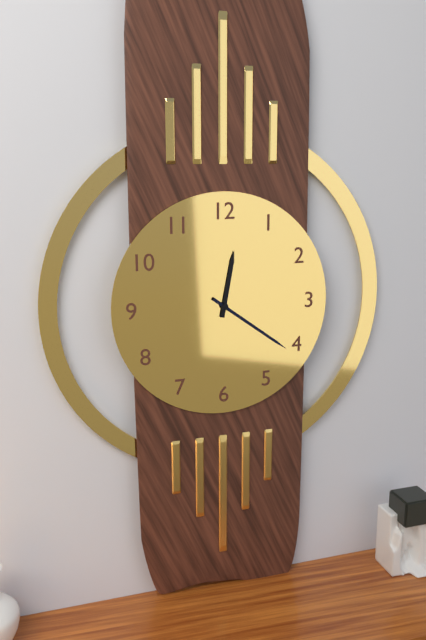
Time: {"hour": 12, "minute": 21}
